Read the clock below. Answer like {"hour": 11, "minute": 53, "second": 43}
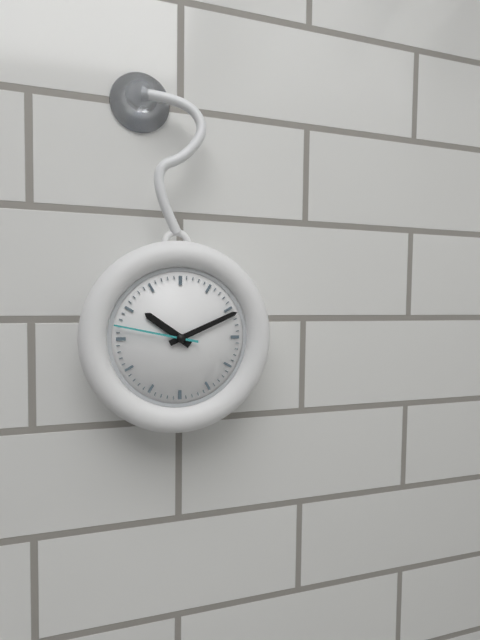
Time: {"hour": 10, "minute": 11, "second": 47}
